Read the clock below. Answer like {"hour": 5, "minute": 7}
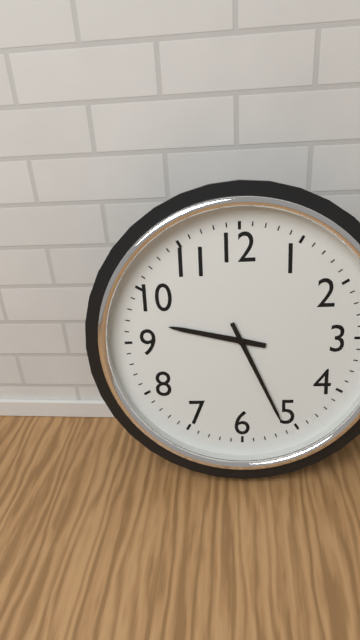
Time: {"hour": 9, "minute": 26}
